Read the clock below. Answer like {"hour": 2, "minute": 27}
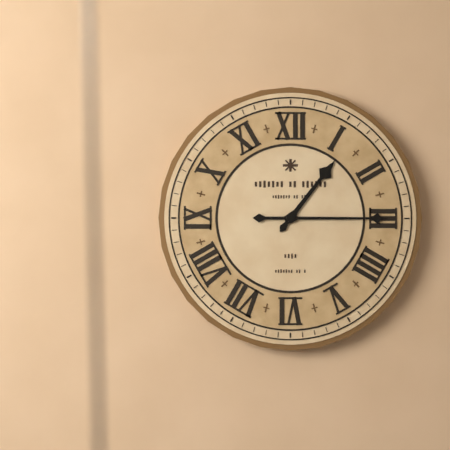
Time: {"hour": 1, "minute": 15}
